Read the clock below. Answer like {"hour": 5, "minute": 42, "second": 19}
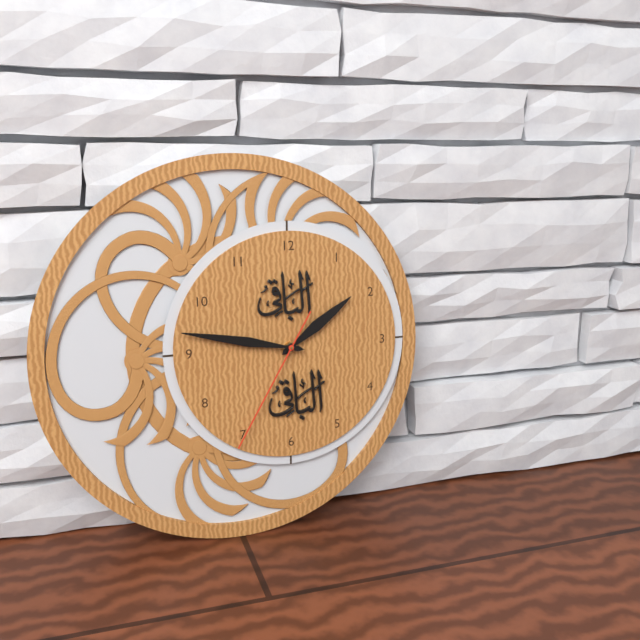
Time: {"hour": 1, "minute": 47, "second": 35}
